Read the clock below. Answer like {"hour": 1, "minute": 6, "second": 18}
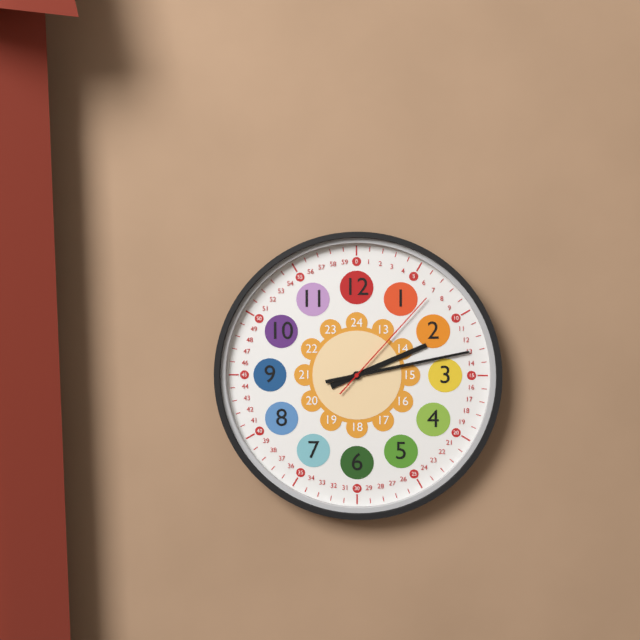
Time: {"hour": 2, "minute": 13, "second": 7}
